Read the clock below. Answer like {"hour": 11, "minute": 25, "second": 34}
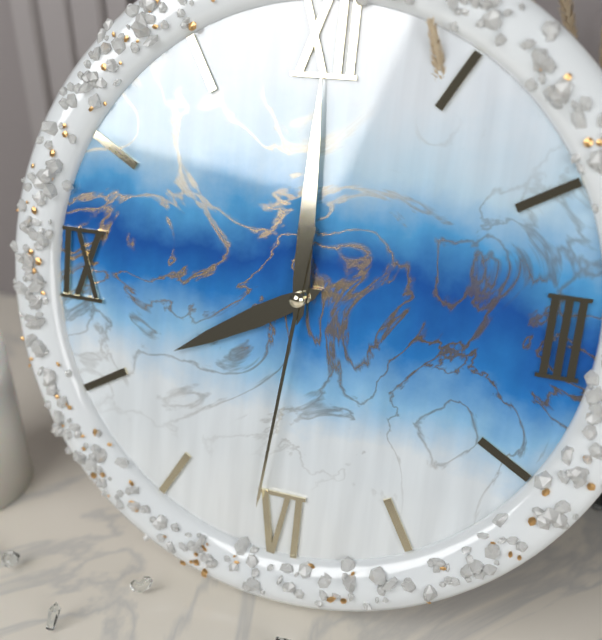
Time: {"hour": 8, "minute": 0, "second": 31}
